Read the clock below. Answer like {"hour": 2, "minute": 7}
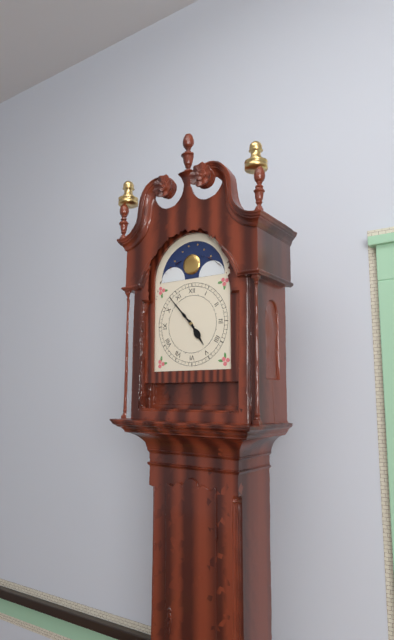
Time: {"hour": 4, "minute": 53}
